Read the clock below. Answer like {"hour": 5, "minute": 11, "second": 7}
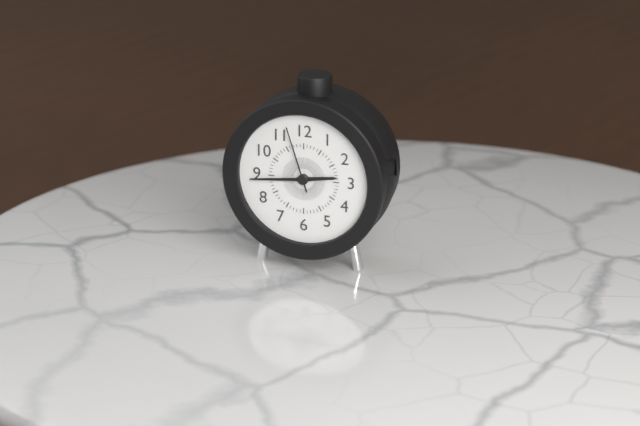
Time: {"hour": 2, "minute": 44, "second": 57}
